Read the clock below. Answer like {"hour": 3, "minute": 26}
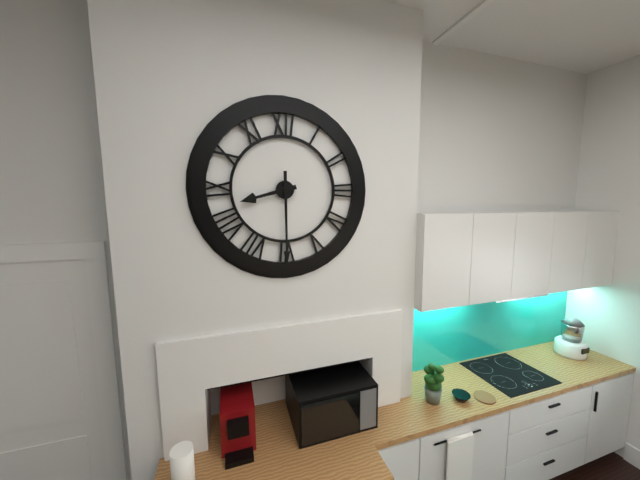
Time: {"hour": 8, "minute": 30}
